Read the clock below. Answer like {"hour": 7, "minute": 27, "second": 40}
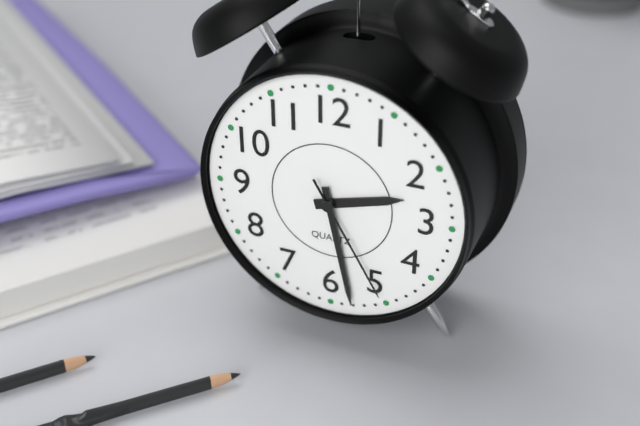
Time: {"hour": 2, "minute": 28, "second": 25}
